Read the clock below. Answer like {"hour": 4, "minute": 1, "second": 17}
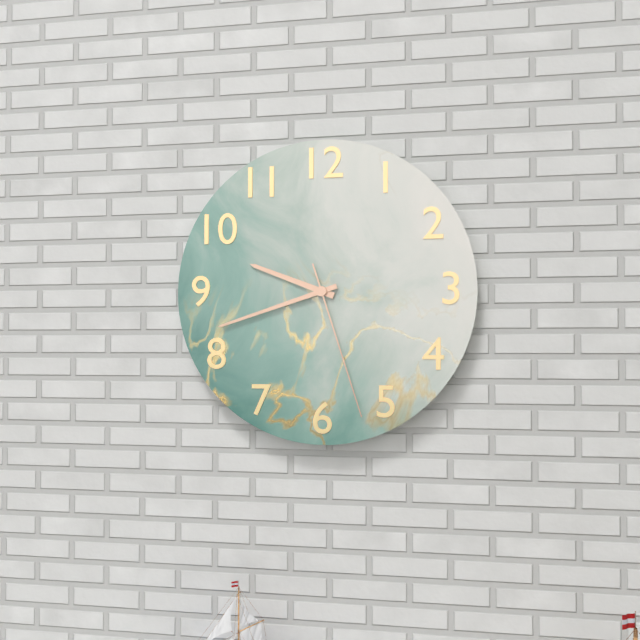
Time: {"hour": 9, "minute": 42, "second": 27}
